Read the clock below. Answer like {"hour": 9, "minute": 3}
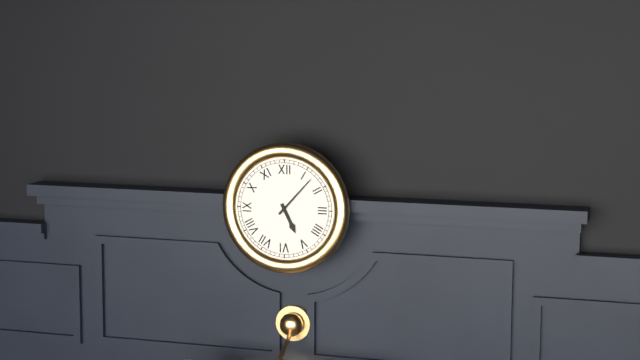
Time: {"hour": 5, "minute": 7}
